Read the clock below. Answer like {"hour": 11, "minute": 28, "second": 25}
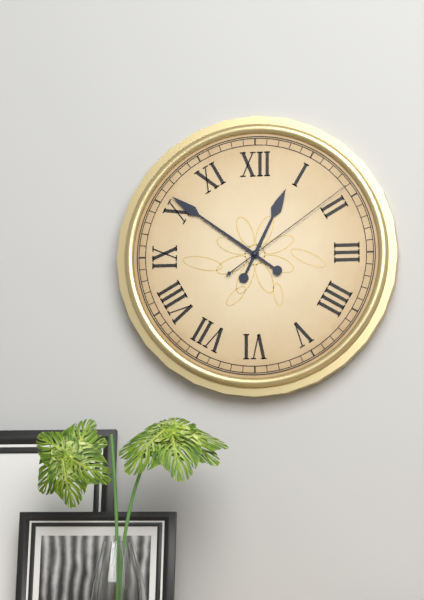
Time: {"hour": 12, "minute": 51, "second": 9}
